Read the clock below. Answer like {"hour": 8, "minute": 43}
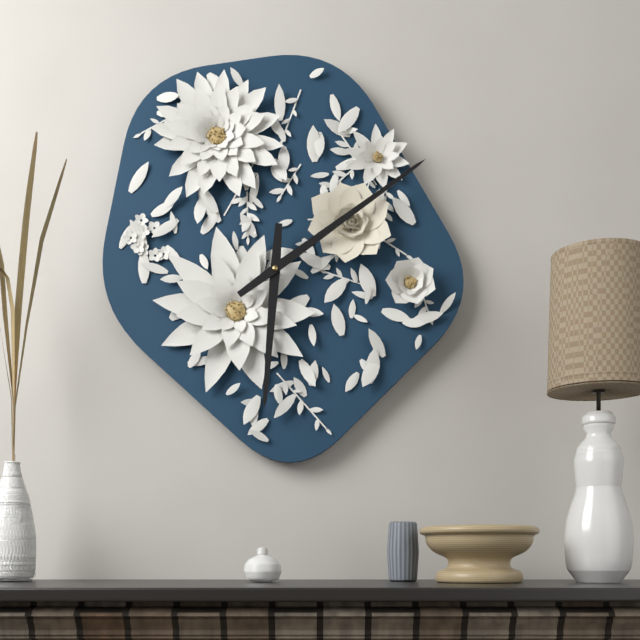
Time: {"hour": 6, "minute": 9}
